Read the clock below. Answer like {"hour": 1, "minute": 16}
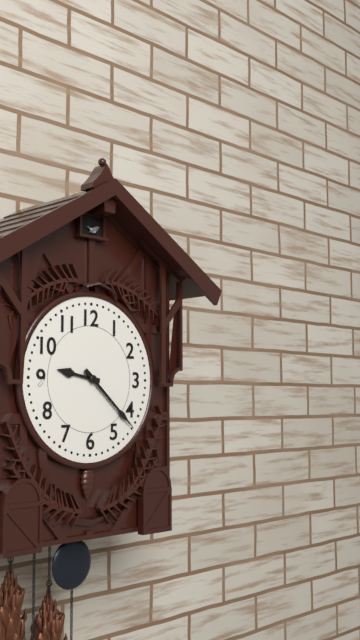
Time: {"hour": 9, "minute": 22}
